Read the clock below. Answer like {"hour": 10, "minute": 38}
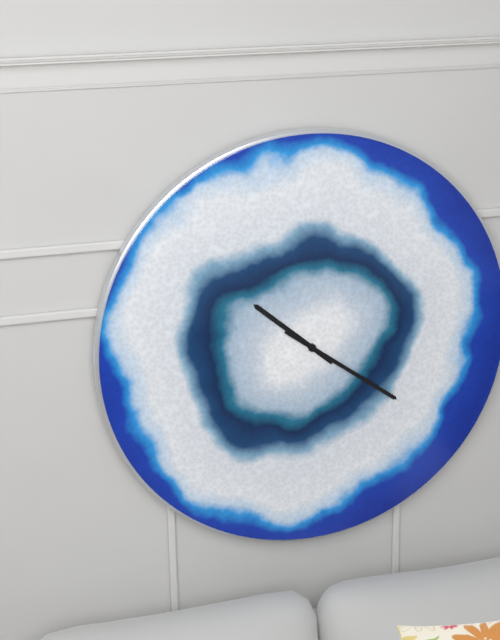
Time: {"hour": 10, "minute": 21}
